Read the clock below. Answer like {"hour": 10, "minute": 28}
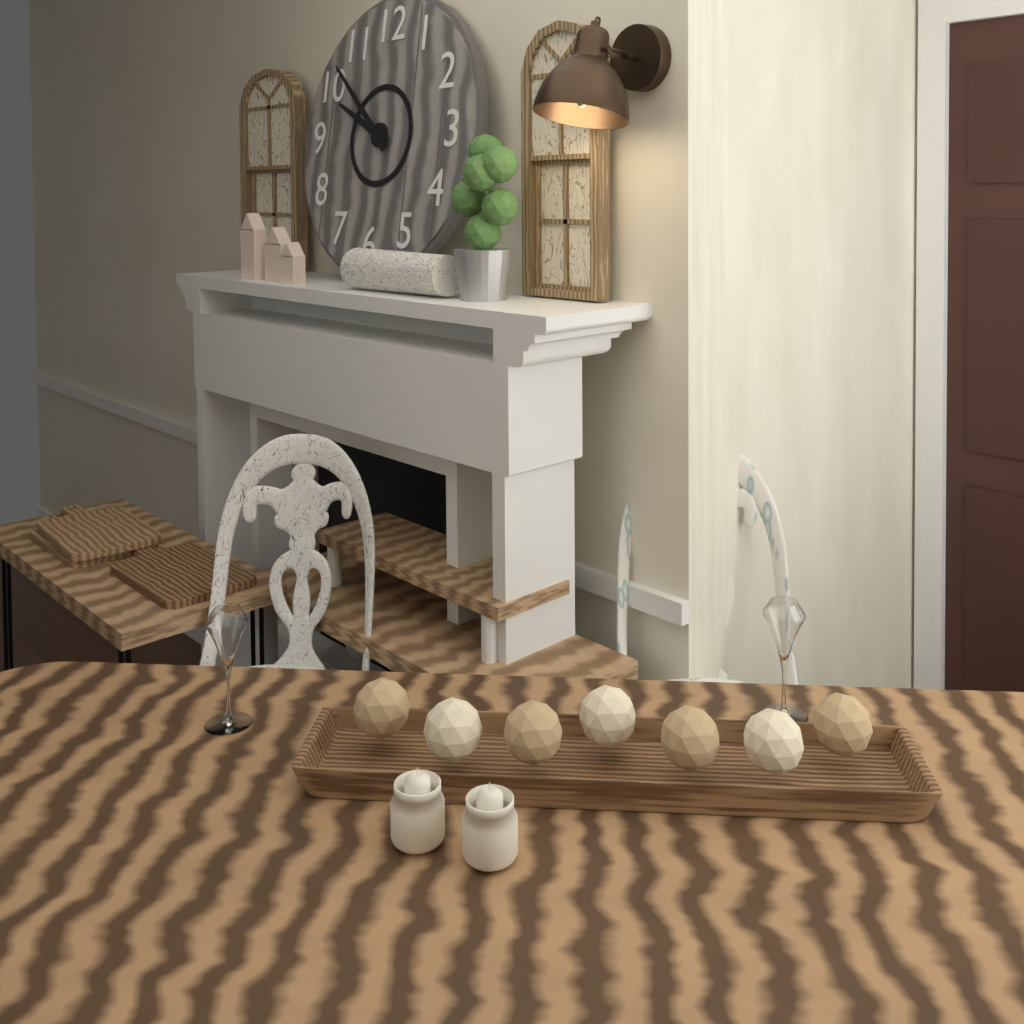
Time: {"hour": 9, "minute": 52}
